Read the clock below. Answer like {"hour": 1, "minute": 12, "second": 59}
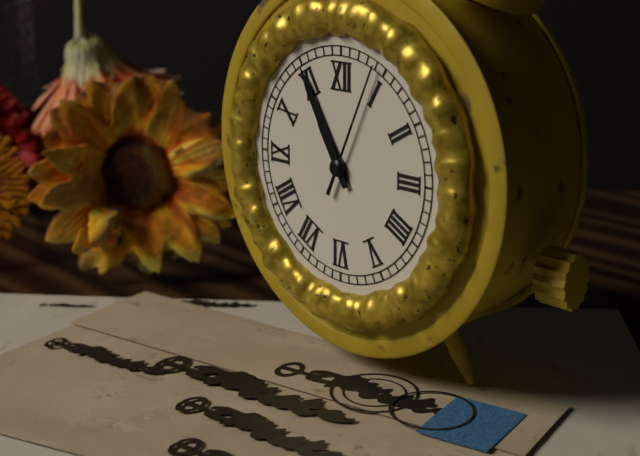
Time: {"hour": 10, "minute": 55, "second": 4}
